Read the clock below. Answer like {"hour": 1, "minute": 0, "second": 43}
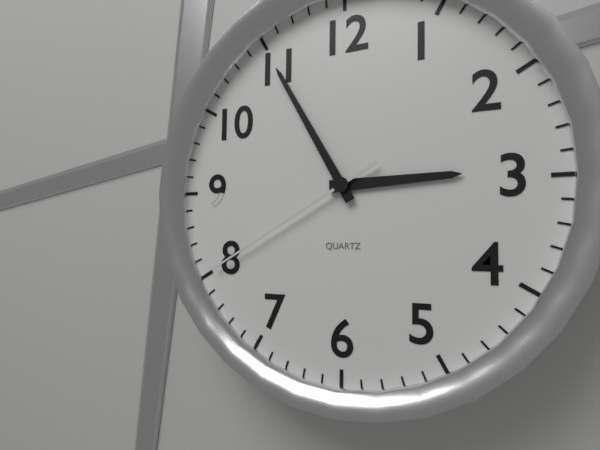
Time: {"hour": 2, "minute": 55, "second": 40}
